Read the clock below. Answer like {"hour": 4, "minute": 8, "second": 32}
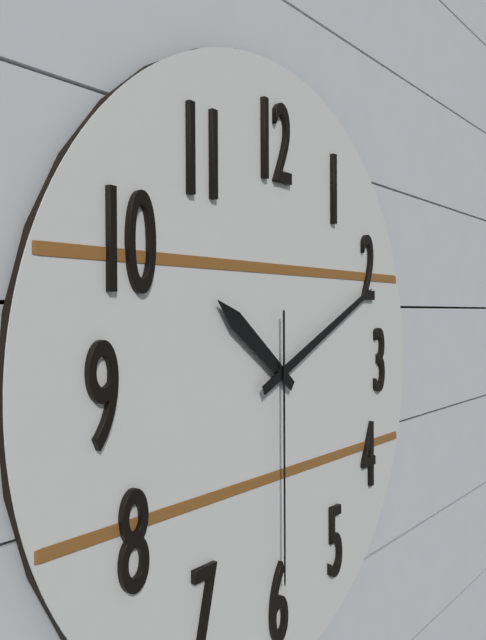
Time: {"hour": 10, "minute": 11, "second": 30}
